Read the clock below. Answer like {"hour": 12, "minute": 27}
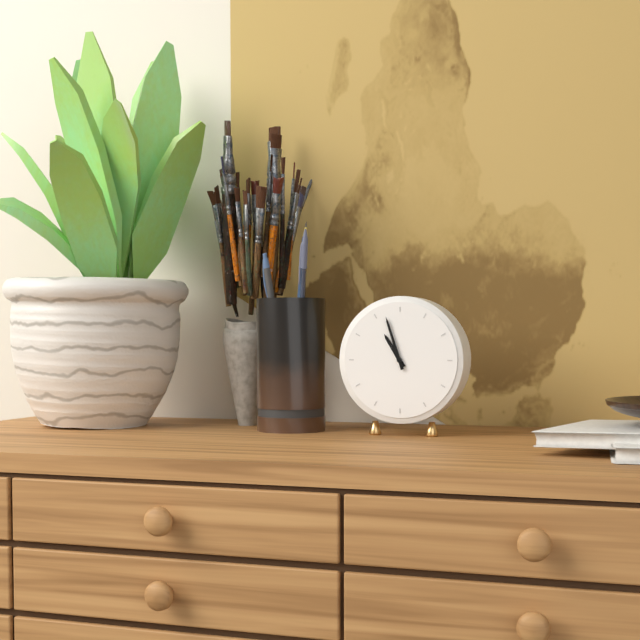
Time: {"hour": 10, "minute": 57}
